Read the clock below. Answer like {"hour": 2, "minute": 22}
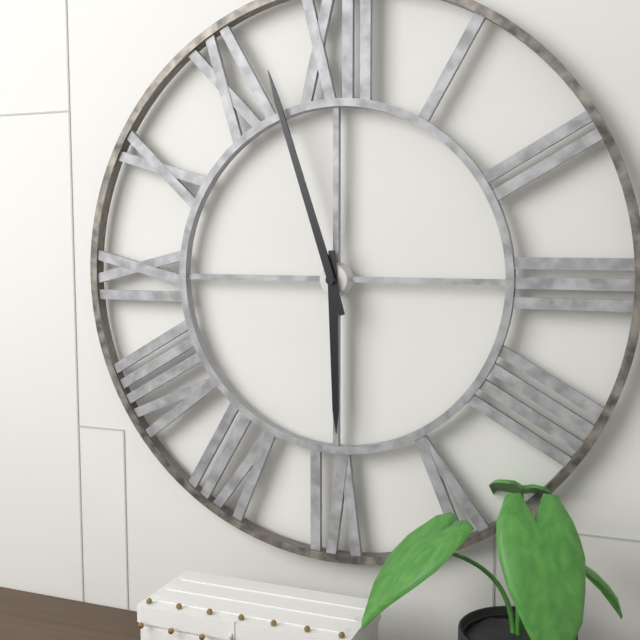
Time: {"hour": 5, "minute": 57}
